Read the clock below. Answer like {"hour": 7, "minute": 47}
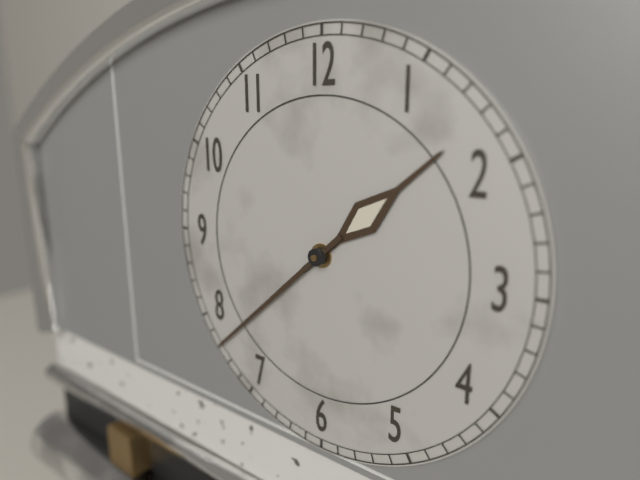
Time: {"hour": 1, "minute": 38}
